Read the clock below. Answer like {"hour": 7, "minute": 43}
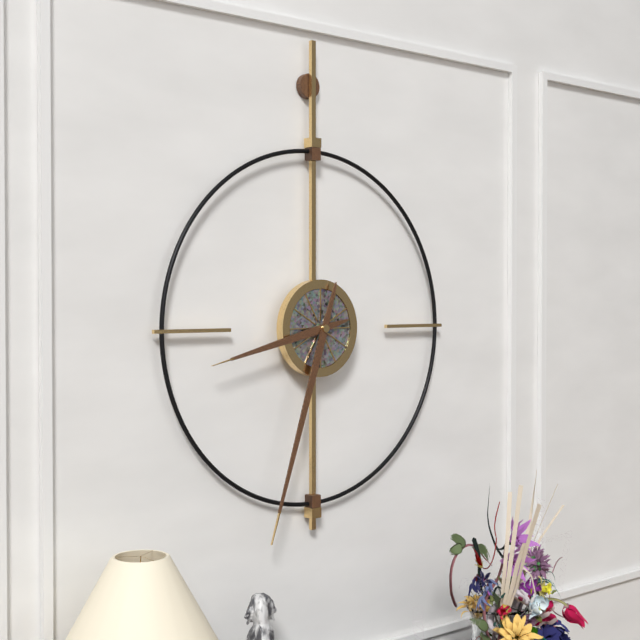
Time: {"hour": 8, "minute": 33}
